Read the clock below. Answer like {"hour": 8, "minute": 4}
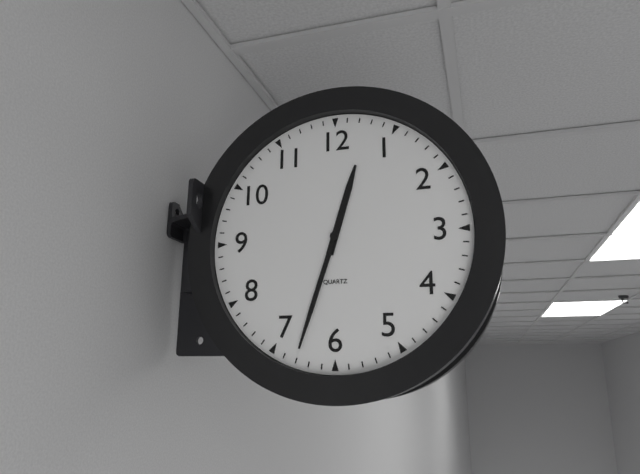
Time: {"hour": 12, "minute": 33}
